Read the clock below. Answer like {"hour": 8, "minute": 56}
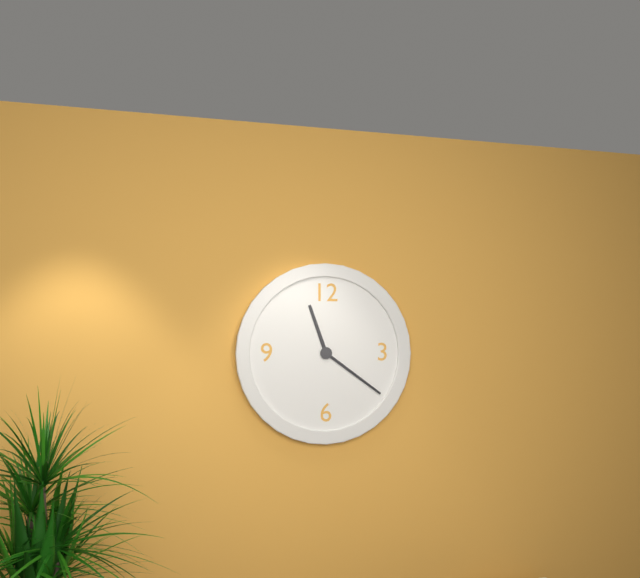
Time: {"hour": 11, "minute": 21}
